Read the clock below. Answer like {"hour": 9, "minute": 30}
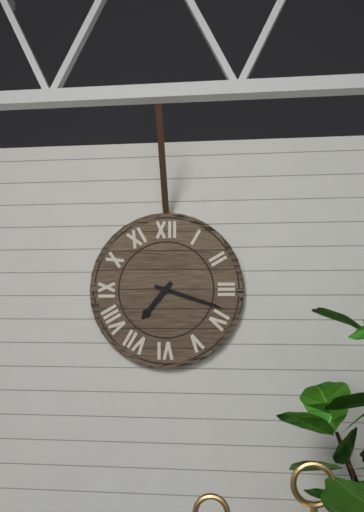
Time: {"hour": 7, "minute": 18}
